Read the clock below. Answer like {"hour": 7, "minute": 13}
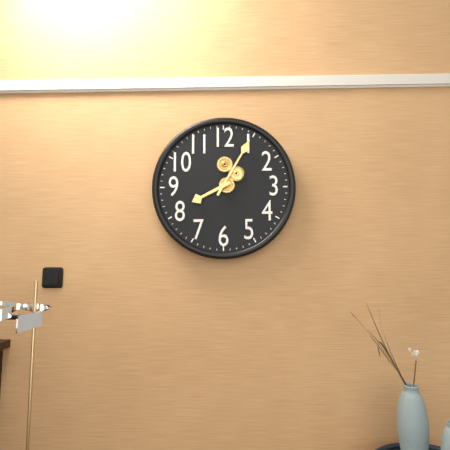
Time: {"hour": 8, "minute": 5}
